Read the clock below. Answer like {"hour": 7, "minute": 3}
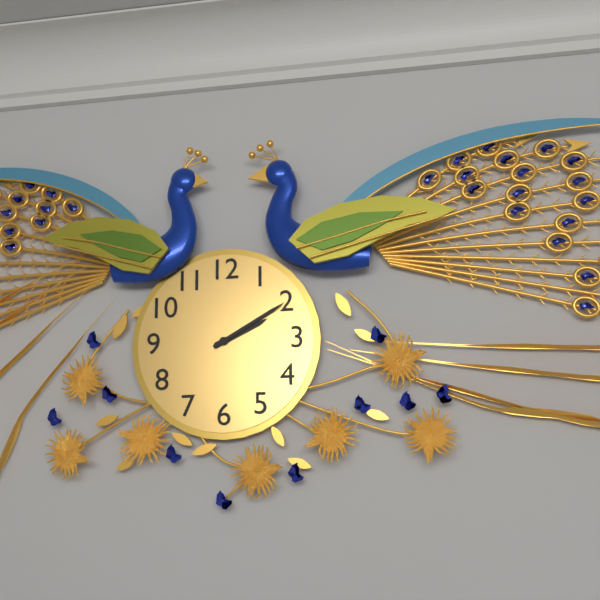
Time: {"hour": 2, "minute": 10}
